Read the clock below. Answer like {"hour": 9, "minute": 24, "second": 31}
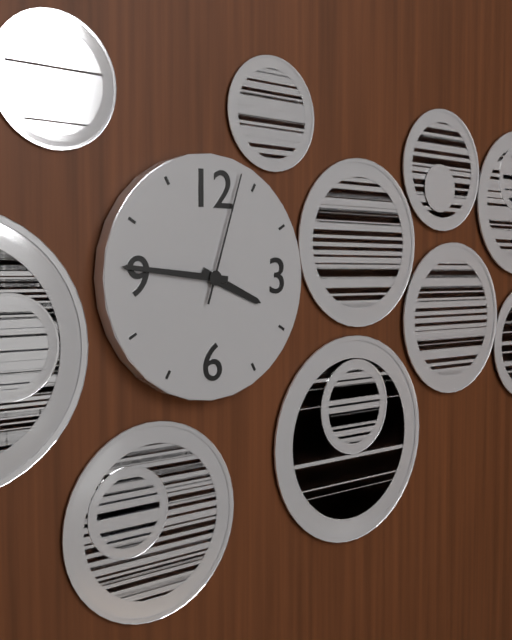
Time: {"hour": 3, "minute": 46, "second": 3}
